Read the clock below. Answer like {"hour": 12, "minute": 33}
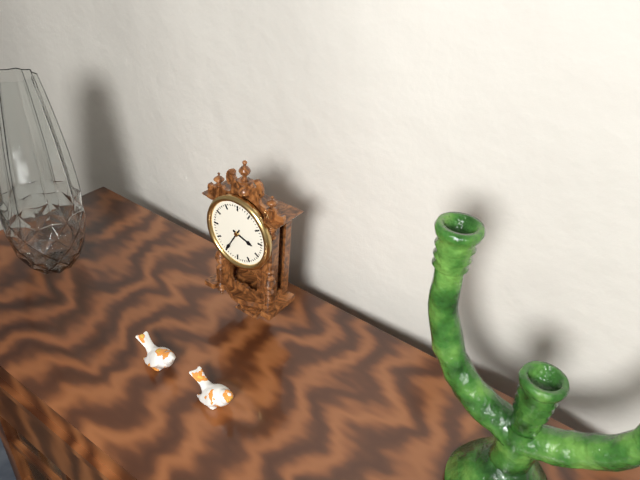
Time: {"hour": 3, "minute": 35}
